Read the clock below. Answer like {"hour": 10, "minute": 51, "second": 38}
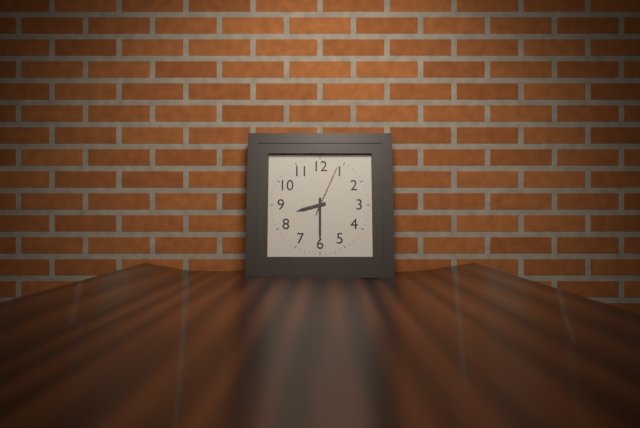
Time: {"hour": 8, "minute": 30, "second": 4}
